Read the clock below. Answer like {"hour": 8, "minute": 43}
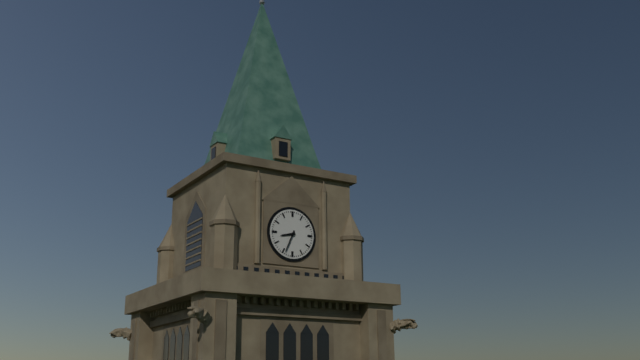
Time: {"hour": 8, "minute": 34}
